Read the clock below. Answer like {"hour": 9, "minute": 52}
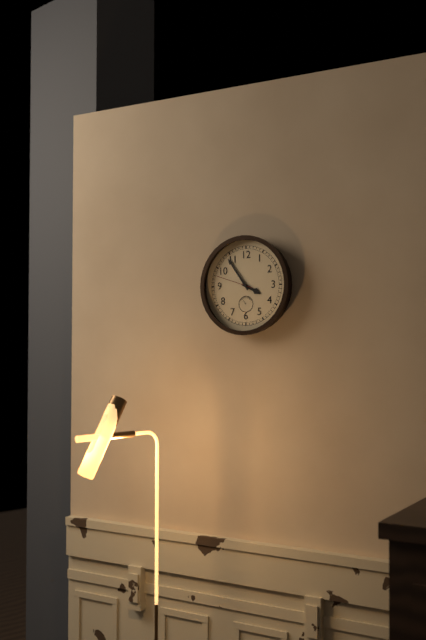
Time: {"hour": 3, "minute": 54}
